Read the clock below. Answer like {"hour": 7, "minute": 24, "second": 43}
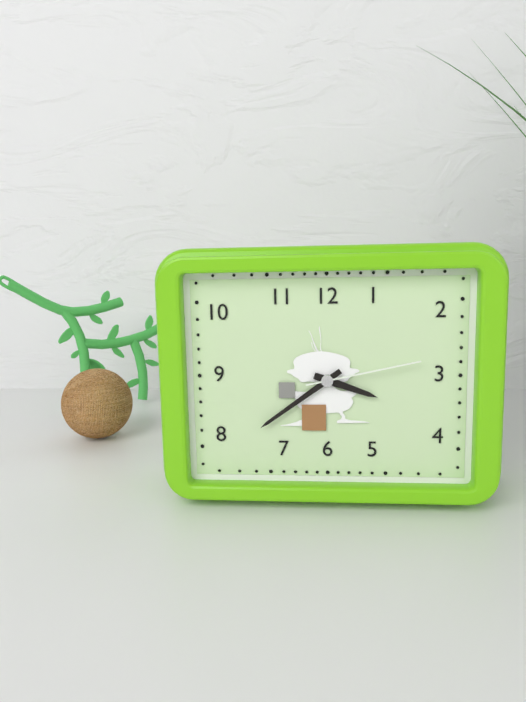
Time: {"hour": 3, "minute": 39, "second": 13}
